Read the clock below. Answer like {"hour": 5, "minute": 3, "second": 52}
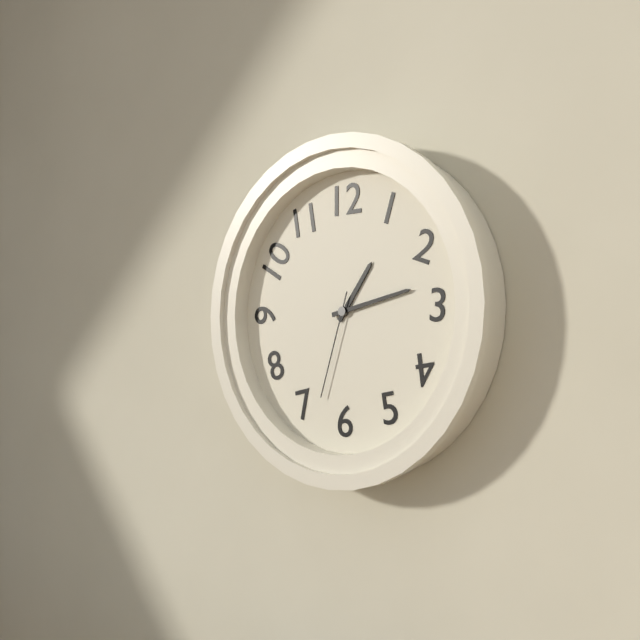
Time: {"hour": 1, "minute": 13, "second": 33}
